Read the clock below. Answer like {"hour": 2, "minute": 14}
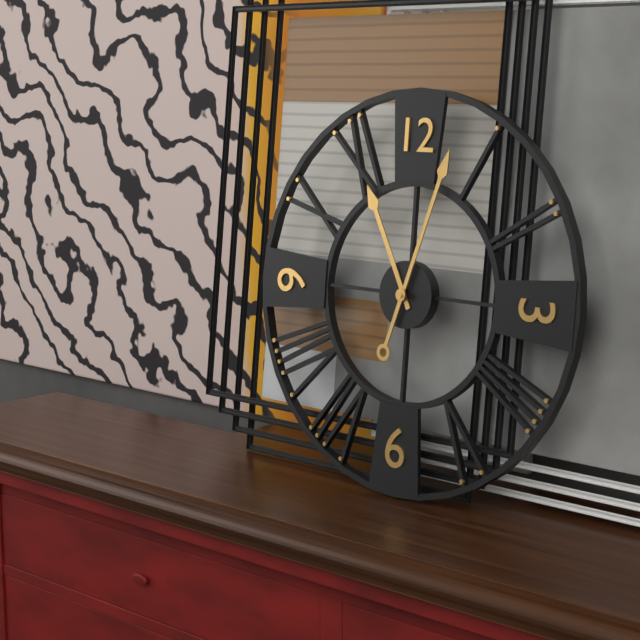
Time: {"hour": 11, "minute": 3}
